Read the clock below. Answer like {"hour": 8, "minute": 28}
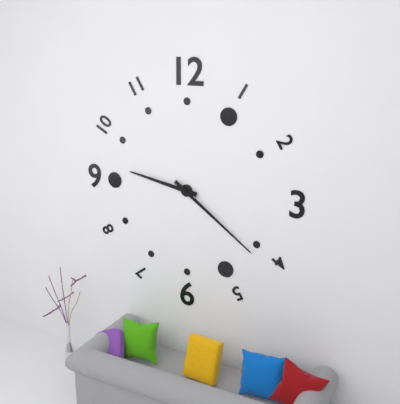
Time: {"hour": 9, "minute": 21}
